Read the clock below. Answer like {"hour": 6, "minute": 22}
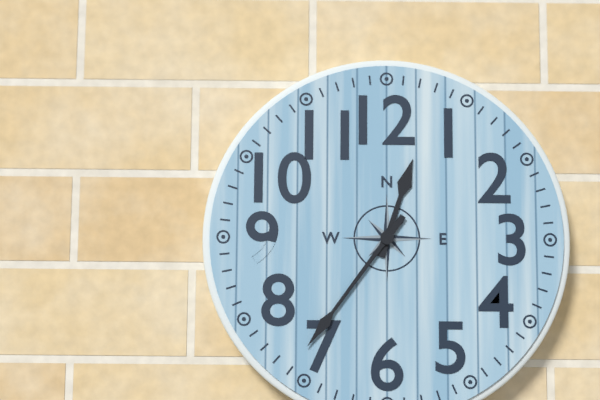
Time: {"hour": 12, "minute": 36}
